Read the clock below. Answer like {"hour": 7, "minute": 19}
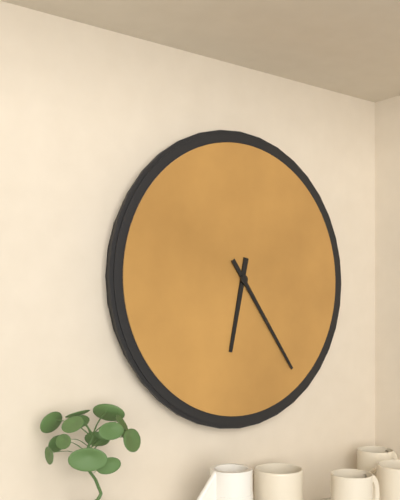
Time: {"hour": 6, "minute": 24}
